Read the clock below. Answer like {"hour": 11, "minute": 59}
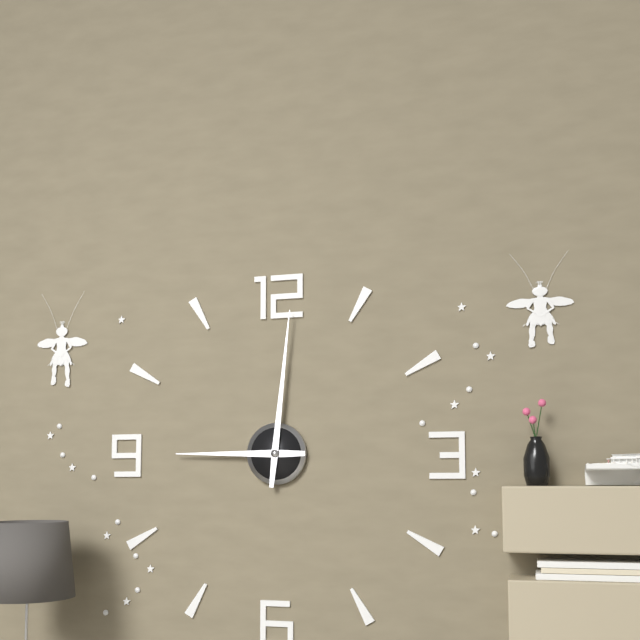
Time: {"hour": 9, "minute": 1}
